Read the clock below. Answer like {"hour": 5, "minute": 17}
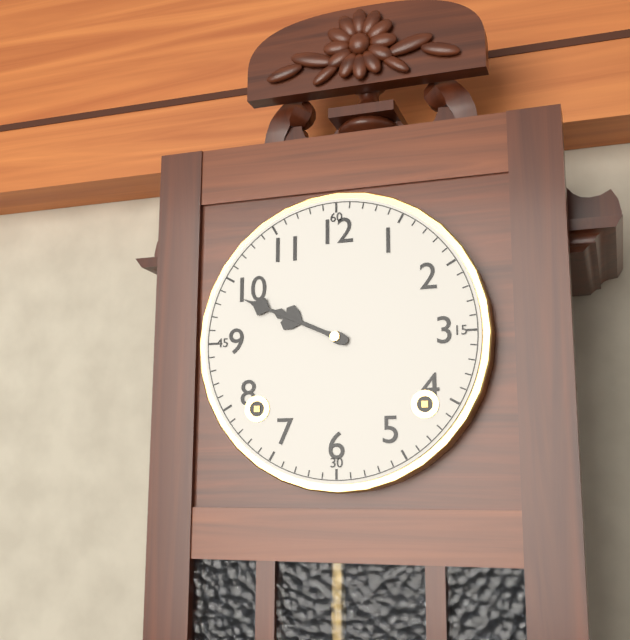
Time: {"hour": 9, "minute": 49}
